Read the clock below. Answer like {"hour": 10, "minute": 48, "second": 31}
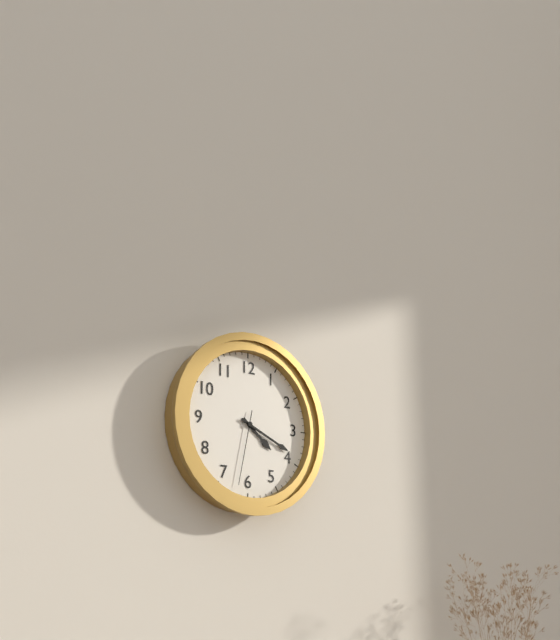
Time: {"hour": 4, "minute": 19, "second": 32}
